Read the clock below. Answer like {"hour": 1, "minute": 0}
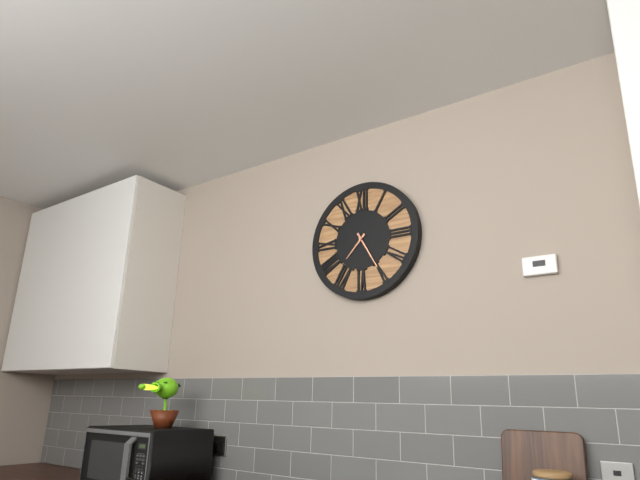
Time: {"hour": 7, "minute": 25}
